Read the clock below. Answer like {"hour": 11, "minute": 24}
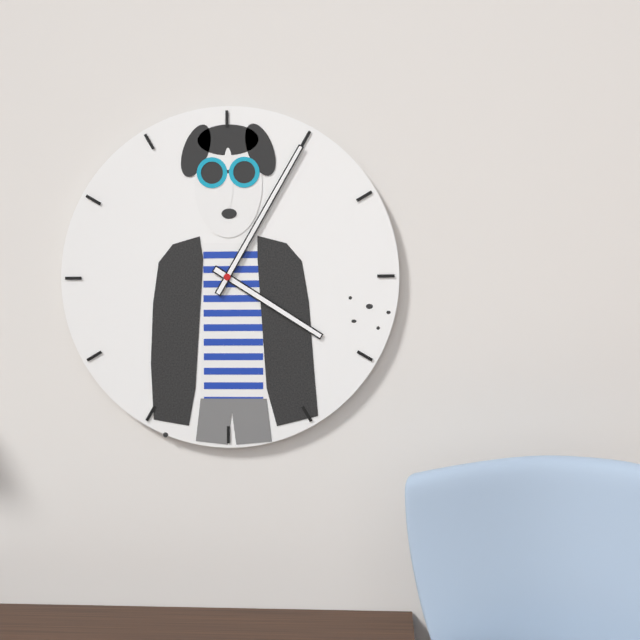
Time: {"hour": 4, "minute": 5}
